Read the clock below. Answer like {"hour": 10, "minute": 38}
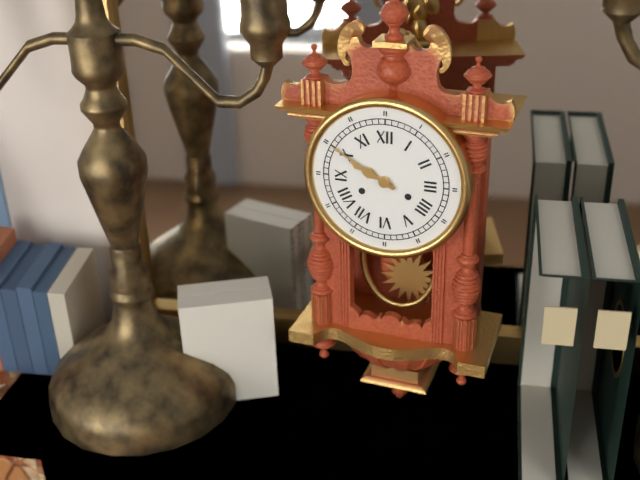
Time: {"hour": 9, "minute": 50}
